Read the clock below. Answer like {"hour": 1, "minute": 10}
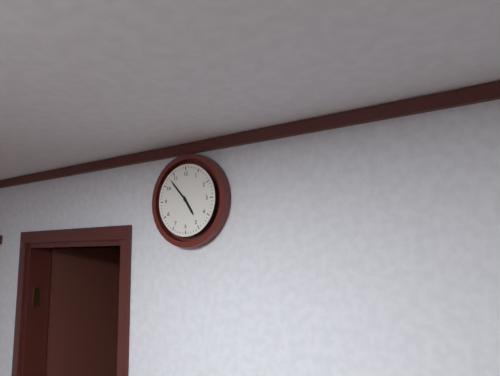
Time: {"hour": 4, "minute": 53}
